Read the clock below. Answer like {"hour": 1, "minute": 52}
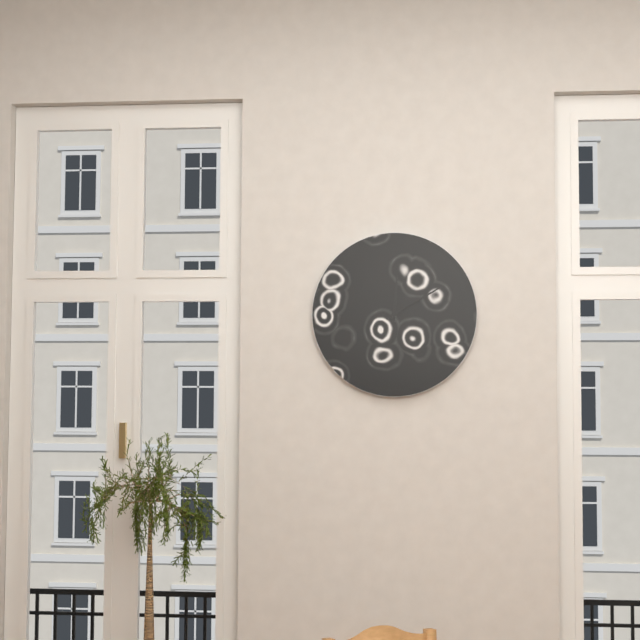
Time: {"hour": 12, "minute": 10}
